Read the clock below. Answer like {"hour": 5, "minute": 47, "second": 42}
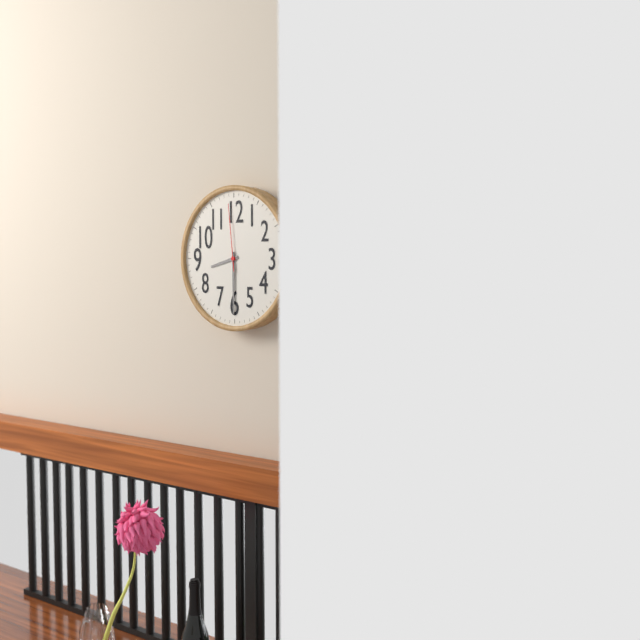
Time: {"hour": 8, "minute": 30, "second": 59}
